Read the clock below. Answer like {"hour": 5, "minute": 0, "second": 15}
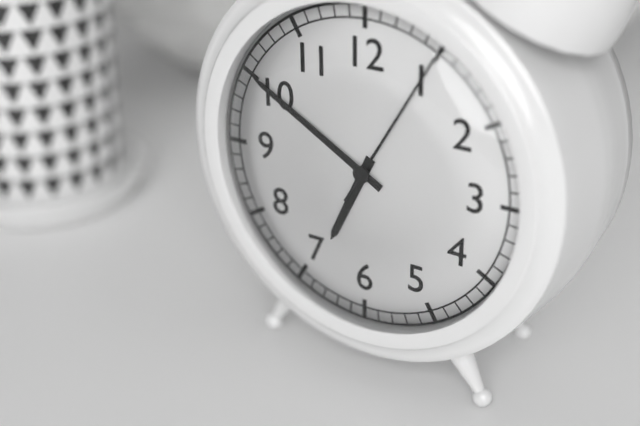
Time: {"hour": 6, "minute": 50, "second": 5}
